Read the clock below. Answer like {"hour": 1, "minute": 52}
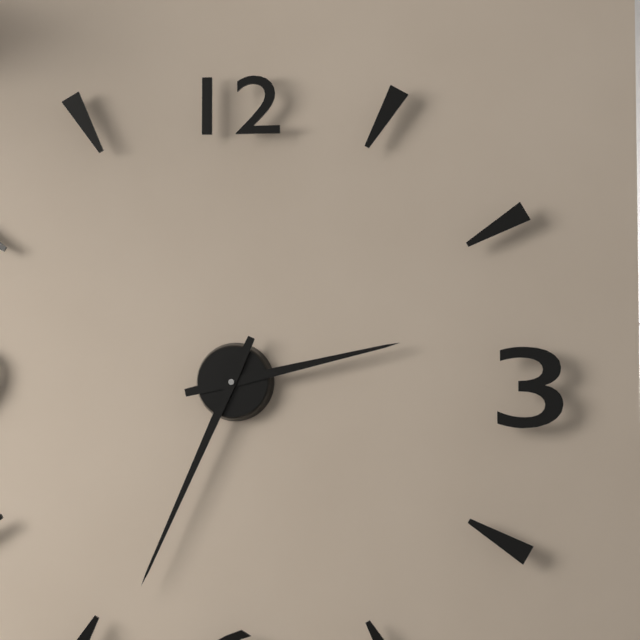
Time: {"hour": 2, "minute": 34}
